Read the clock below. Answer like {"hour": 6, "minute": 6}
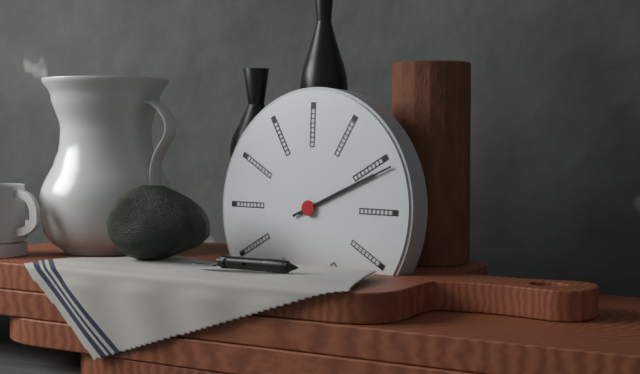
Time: {"hour": 2, "minute": 11}
